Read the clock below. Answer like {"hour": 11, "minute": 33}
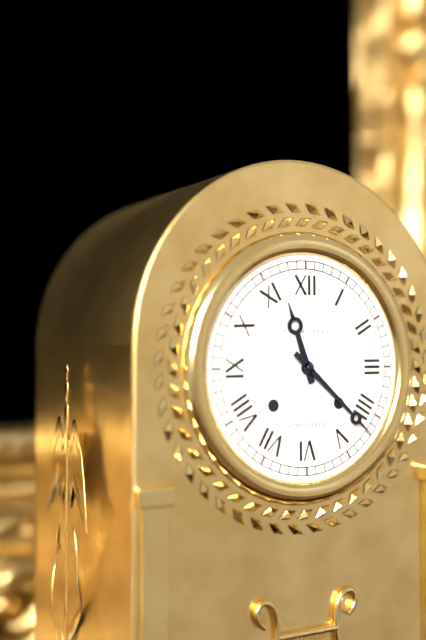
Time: {"hour": 11, "minute": 22}
